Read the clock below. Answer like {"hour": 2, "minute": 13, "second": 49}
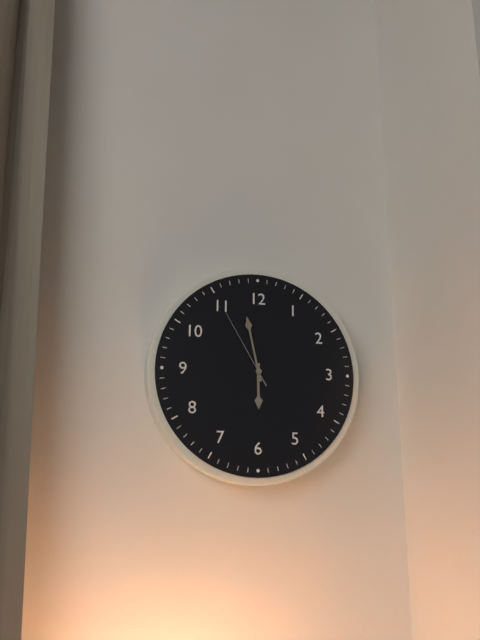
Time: {"hour": 5, "minute": 58, "second": 55}
